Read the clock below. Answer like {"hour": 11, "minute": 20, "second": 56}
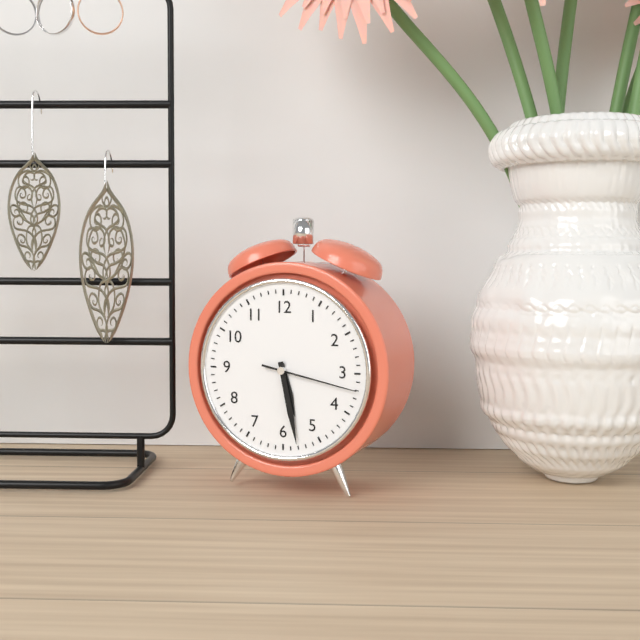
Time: {"hour": 5, "minute": 28, "second": 17}
